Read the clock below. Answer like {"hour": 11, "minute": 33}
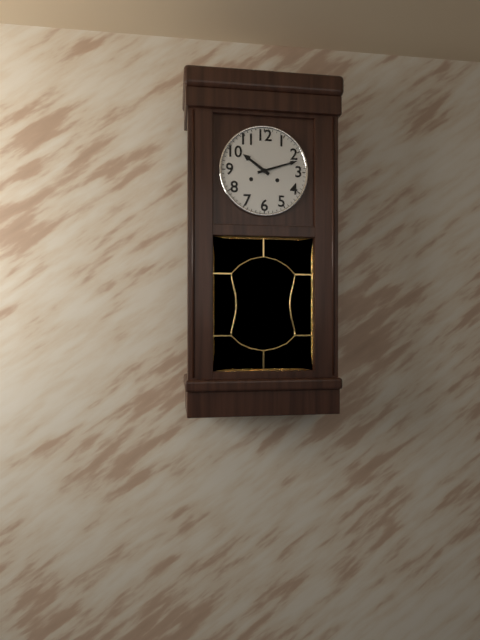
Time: {"hour": 10, "minute": 12}
